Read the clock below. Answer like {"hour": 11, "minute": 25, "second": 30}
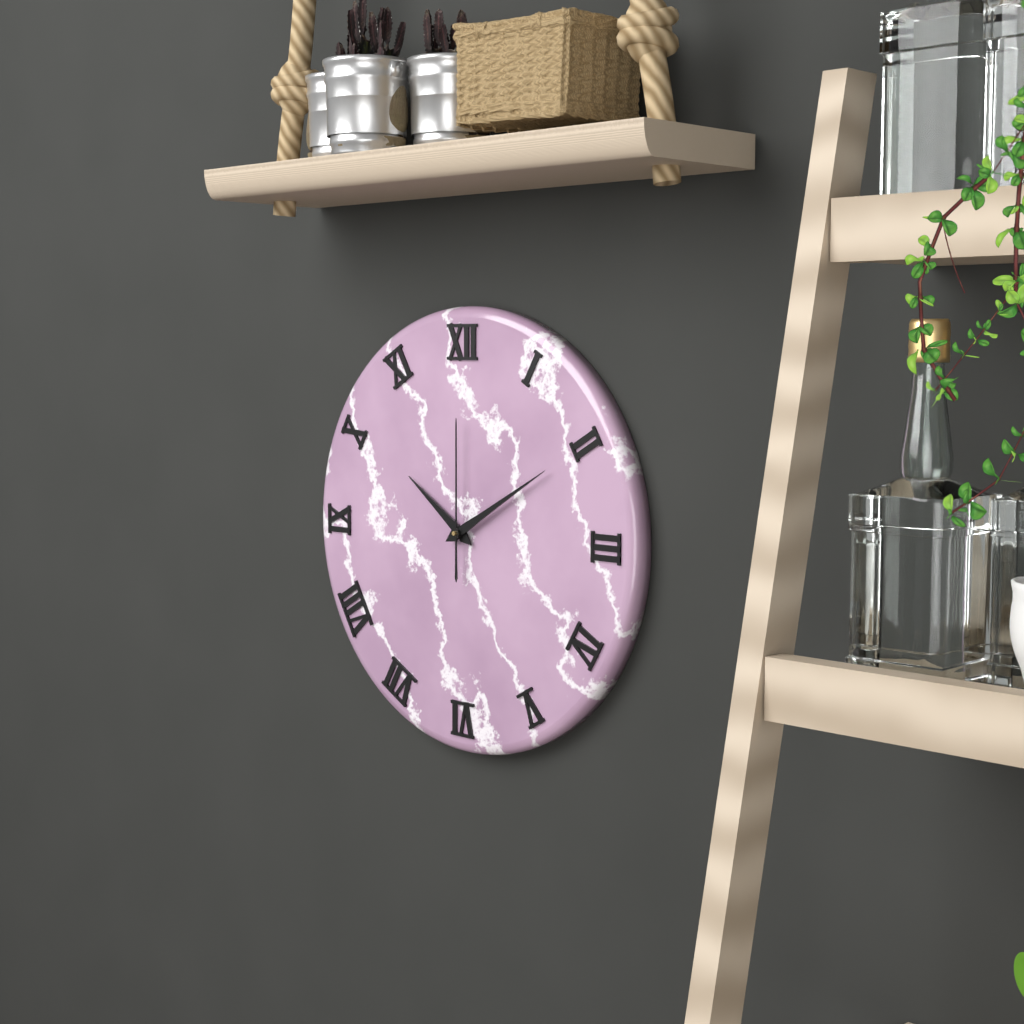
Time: {"hour": 10, "minute": 10, "second": 0}
